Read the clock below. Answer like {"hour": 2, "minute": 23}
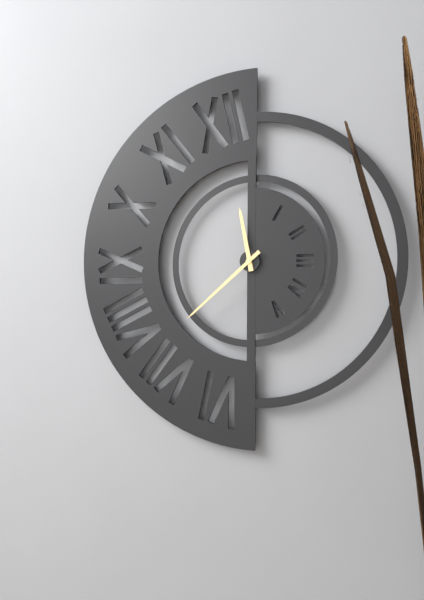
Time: {"hour": 11, "minute": 38}
